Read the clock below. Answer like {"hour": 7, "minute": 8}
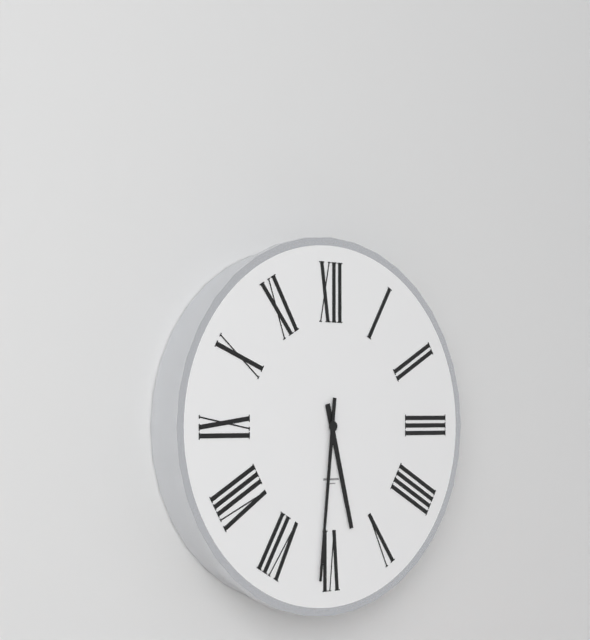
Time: {"hour": 5, "minute": 31}
